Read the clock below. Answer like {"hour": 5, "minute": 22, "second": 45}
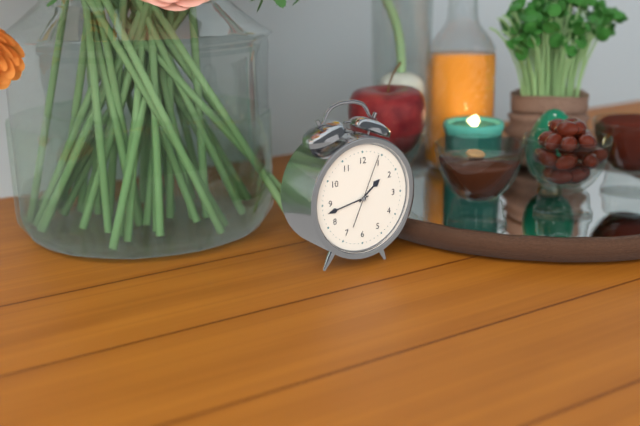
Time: {"hour": 1, "minute": 43, "second": 4}
